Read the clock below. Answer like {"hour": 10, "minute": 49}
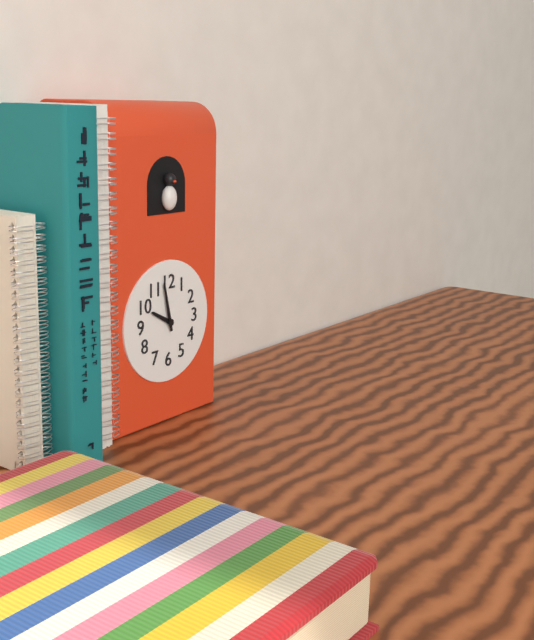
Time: {"hour": 9, "minute": 58}
